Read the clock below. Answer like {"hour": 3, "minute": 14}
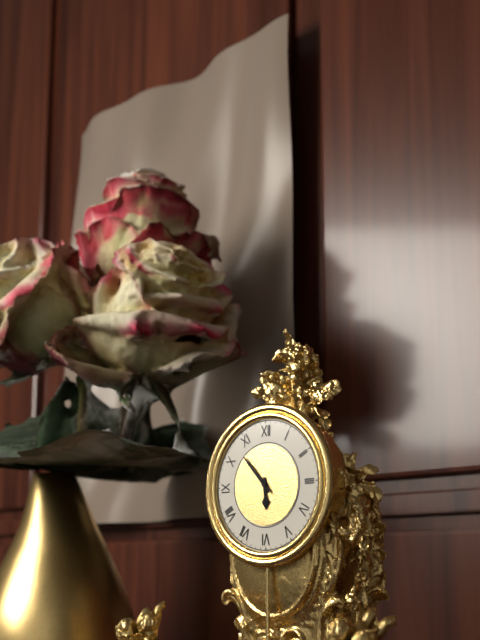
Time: {"hour": 5, "minute": 53}
